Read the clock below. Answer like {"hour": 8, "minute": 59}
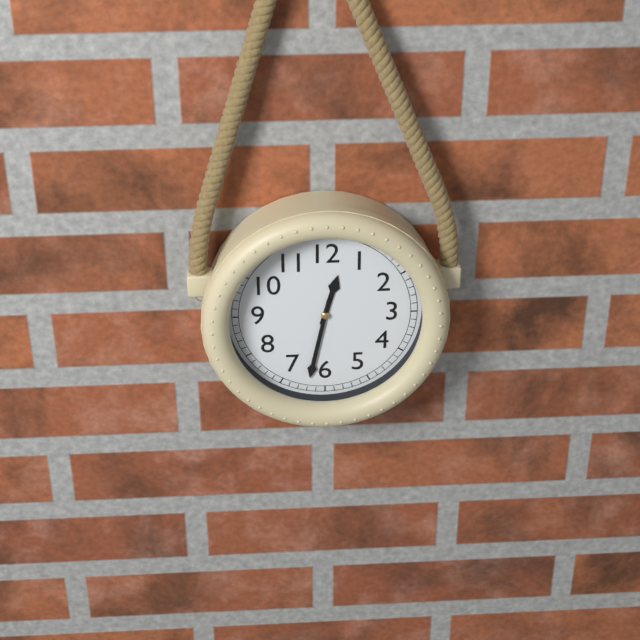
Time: {"hour": 12, "minute": 32}
